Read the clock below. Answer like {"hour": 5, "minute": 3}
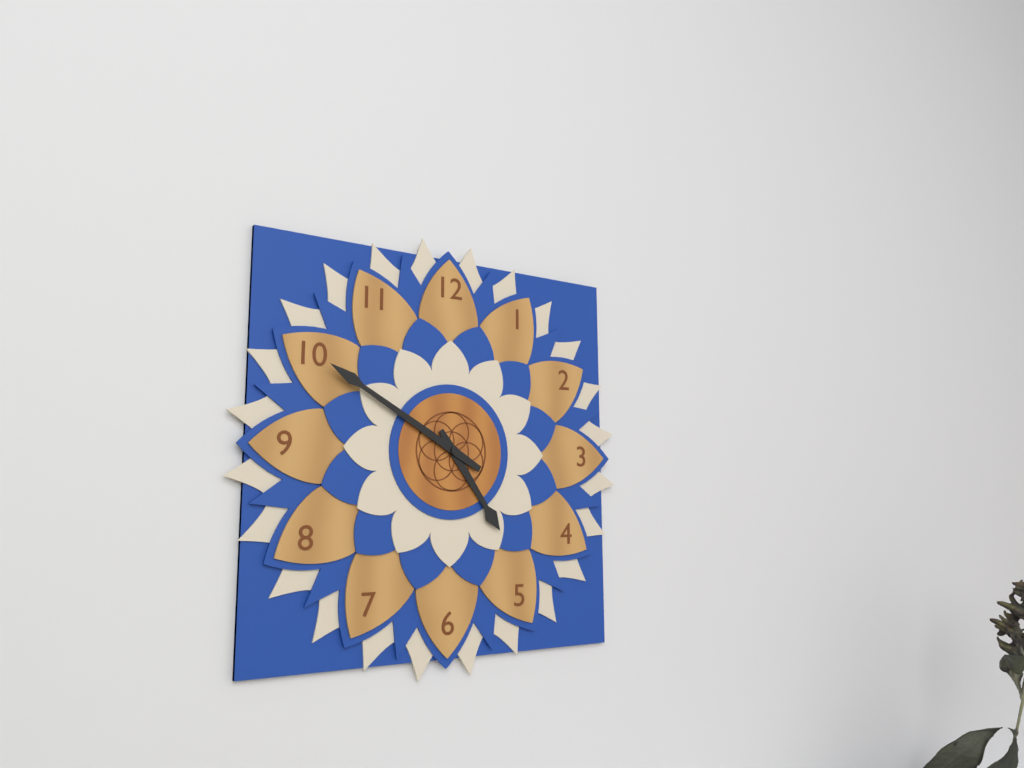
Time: {"hour": 4, "minute": 50}
